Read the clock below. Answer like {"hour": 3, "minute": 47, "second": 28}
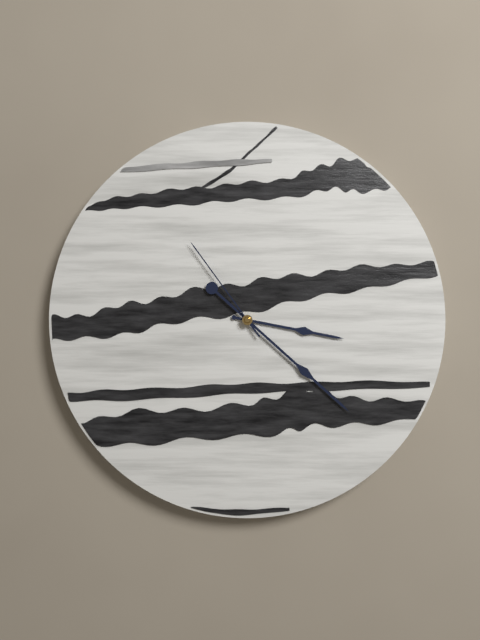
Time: {"hour": 3, "minute": 22, "second": 54}
